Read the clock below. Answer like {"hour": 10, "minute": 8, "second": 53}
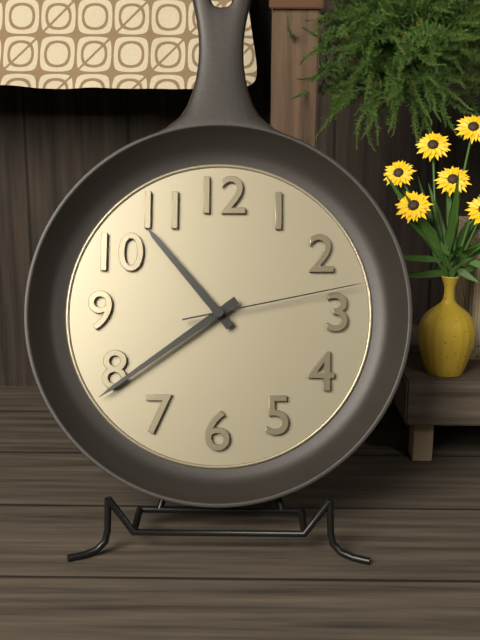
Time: {"hour": 10, "minute": 39, "second": 13}
